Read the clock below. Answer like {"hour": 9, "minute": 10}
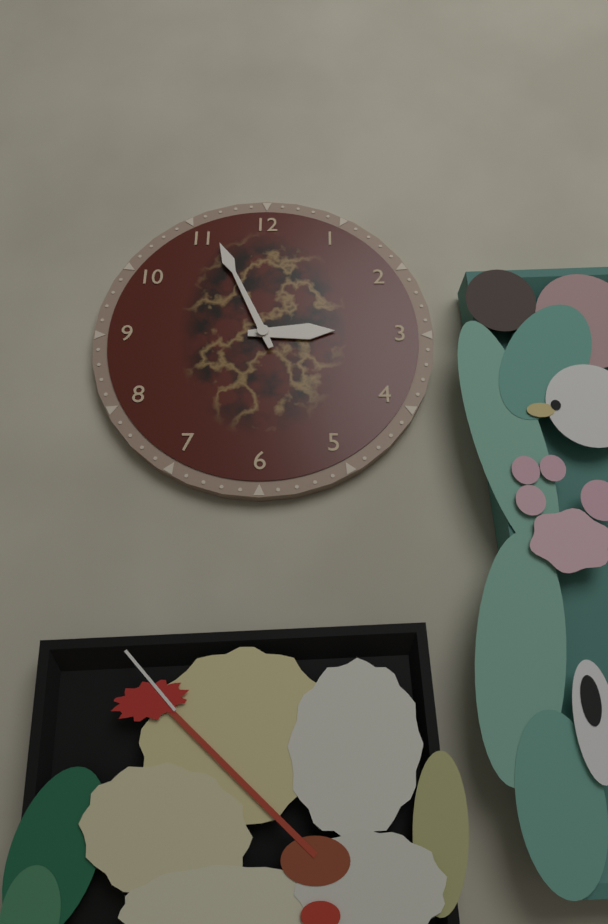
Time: {"hour": 2, "minute": 56}
